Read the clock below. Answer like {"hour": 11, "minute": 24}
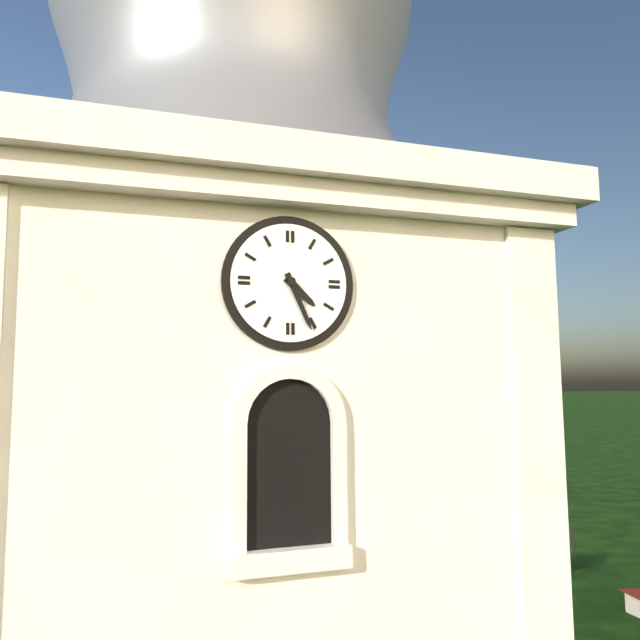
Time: {"hour": 4, "minute": 26}
